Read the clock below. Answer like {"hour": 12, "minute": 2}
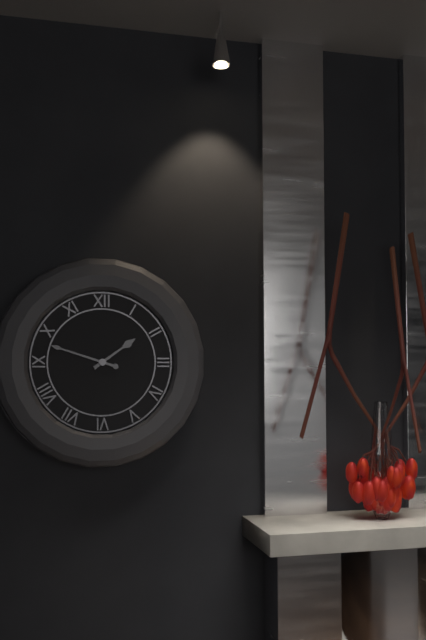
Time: {"hour": 1, "minute": 48}
